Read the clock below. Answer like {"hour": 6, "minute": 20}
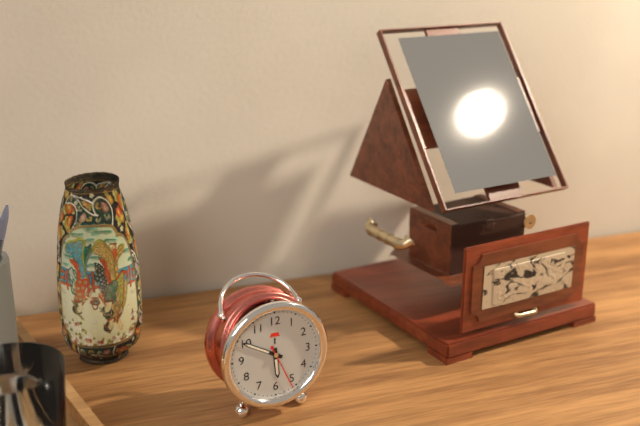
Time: {"hour": 5, "minute": 50}
